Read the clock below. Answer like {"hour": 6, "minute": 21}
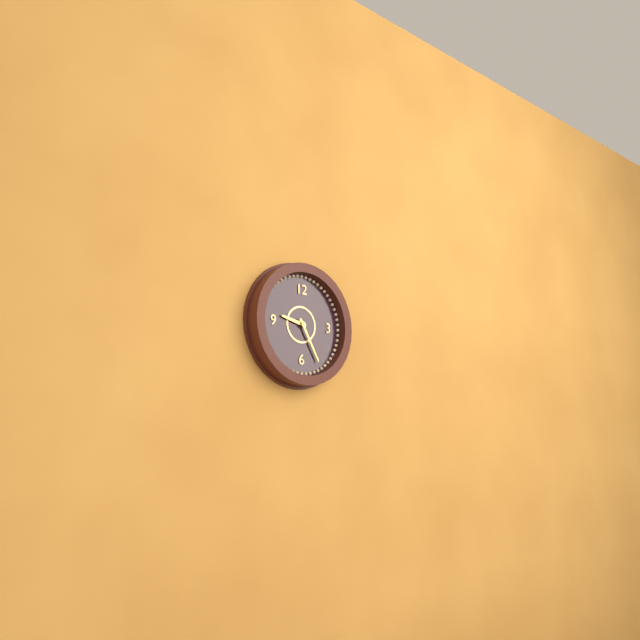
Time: {"hour": 9, "minute": 25}
